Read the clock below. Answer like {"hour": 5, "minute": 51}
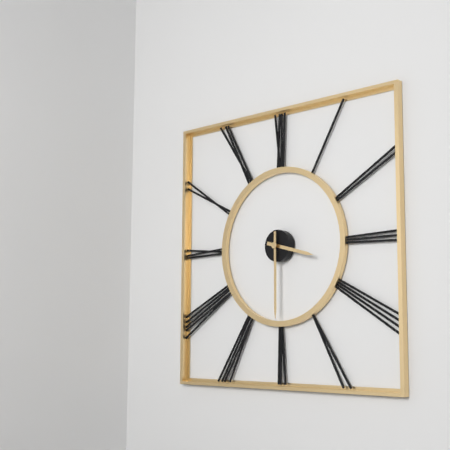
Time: {"hour": 3, "minute": 30}
